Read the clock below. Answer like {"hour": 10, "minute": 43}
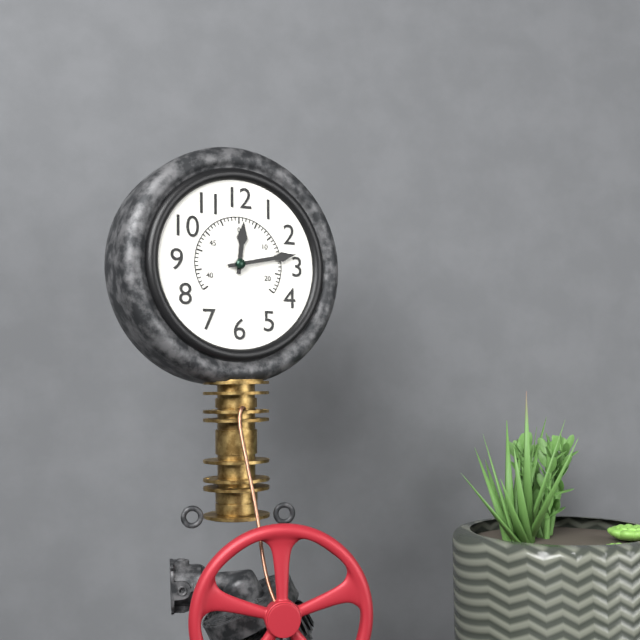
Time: {"hour": 12, "minute": 13}
